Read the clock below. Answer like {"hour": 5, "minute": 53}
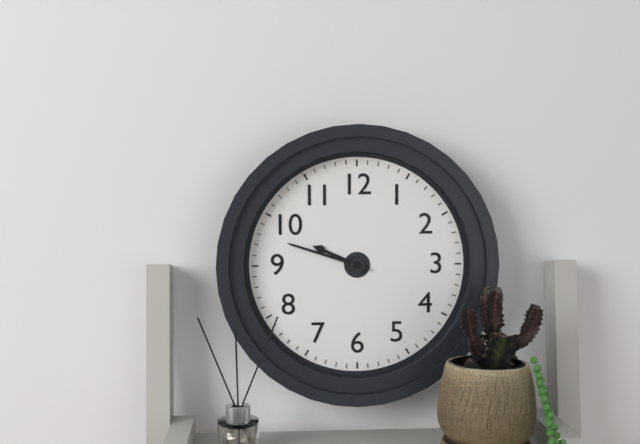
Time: {"hour": 9, "minute": 48}
